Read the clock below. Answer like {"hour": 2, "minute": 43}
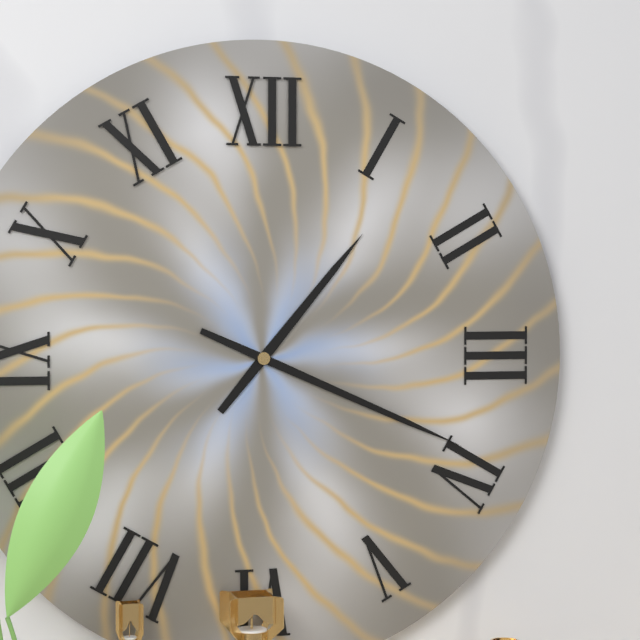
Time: {"hour": 1, "minute": 19}
